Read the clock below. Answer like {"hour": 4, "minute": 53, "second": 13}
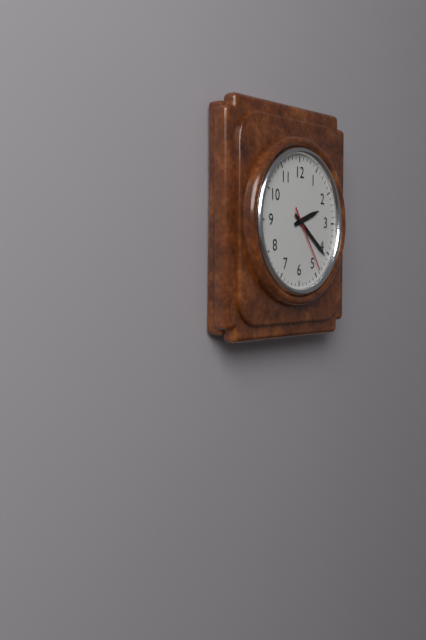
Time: {"hour": 2, "minute": 21, "second": 24}
